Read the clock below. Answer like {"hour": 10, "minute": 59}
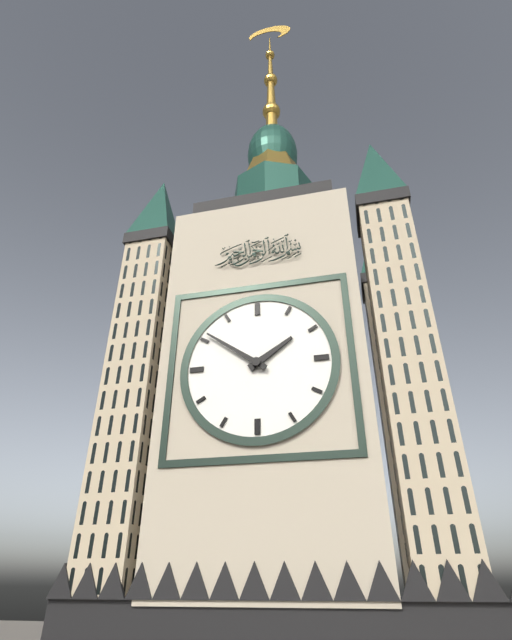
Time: {"hour": 1, "minute": 51}
